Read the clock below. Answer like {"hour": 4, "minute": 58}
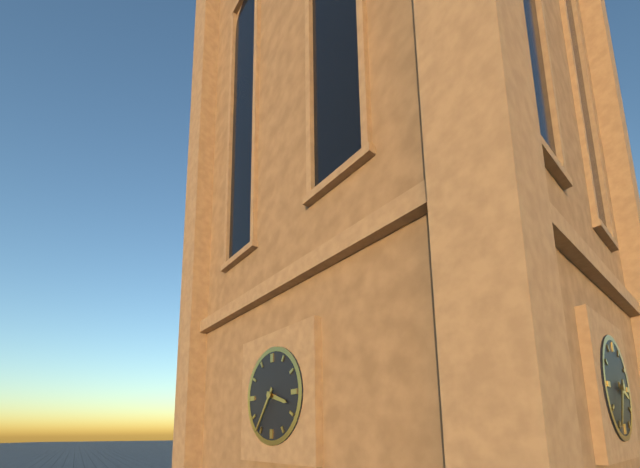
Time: {"hour": 3, "minute": 36}
